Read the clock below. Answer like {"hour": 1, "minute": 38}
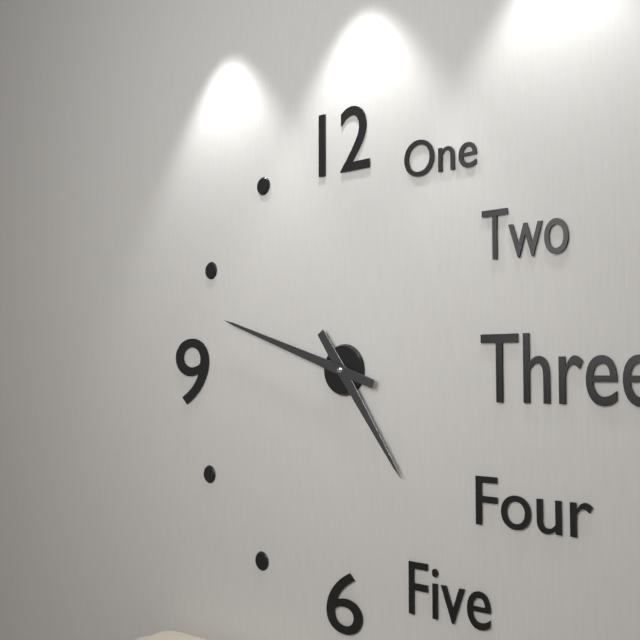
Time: {"hour": 4, "minute": 48}
